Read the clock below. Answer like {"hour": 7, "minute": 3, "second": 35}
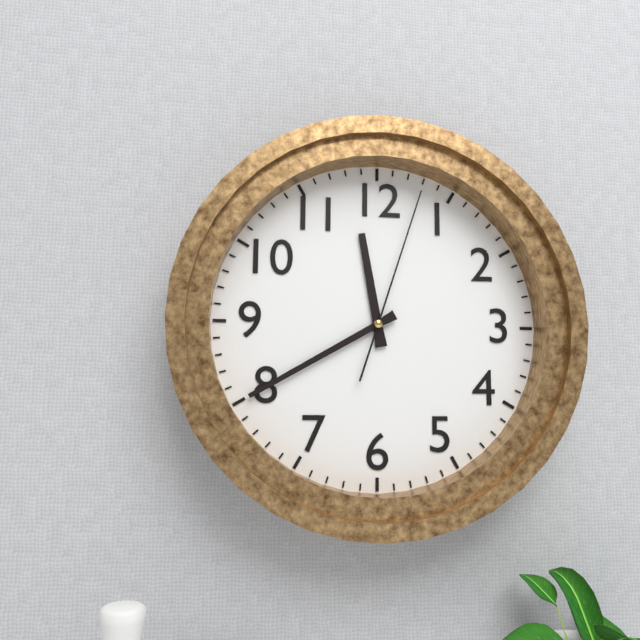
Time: {"hour": 11, "minute": 40, "second": 3}
